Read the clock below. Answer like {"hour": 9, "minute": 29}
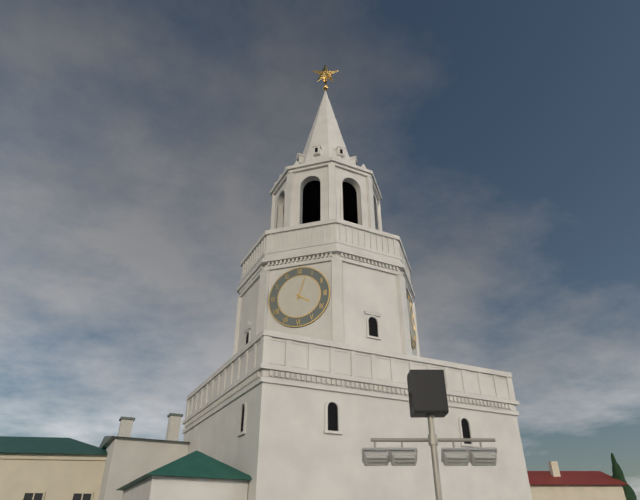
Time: {"hour": 4, "minute": 3}
